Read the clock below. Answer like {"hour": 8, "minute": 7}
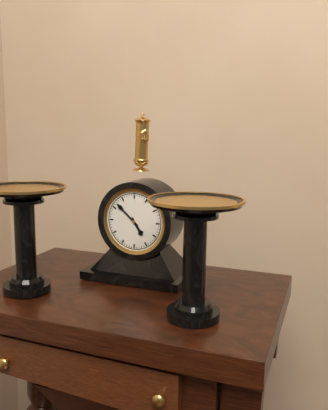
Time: {"hour": 4, "minute": 52}
